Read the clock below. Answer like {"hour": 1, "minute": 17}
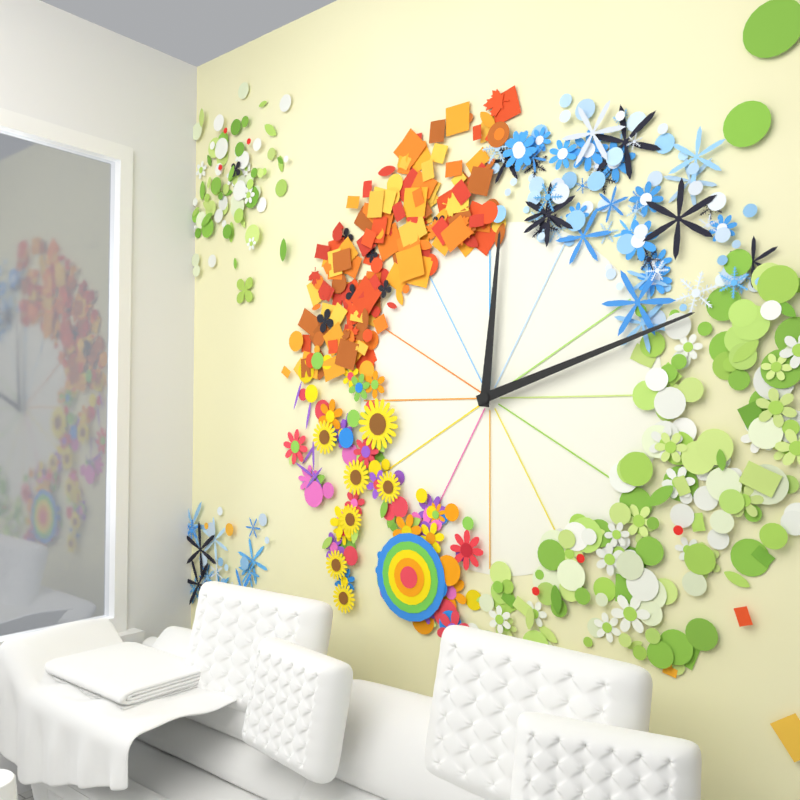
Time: {"hour": 12, "minute": 12}
